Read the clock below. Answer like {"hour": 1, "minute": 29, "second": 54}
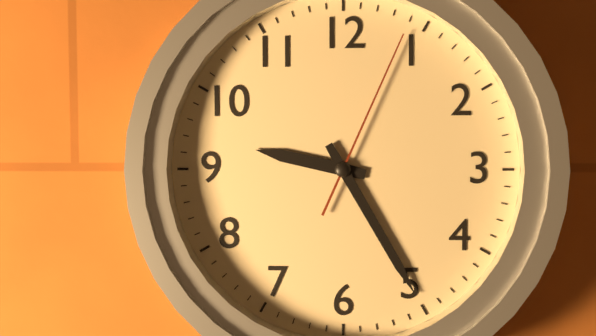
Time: {"hour": 9, "minute": 25, "second": 4}
